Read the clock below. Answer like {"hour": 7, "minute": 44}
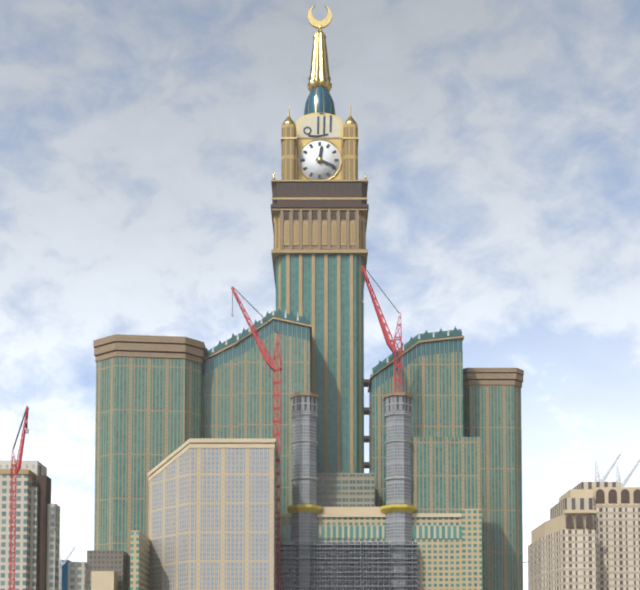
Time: {"hour": 12, "minute": 19}
